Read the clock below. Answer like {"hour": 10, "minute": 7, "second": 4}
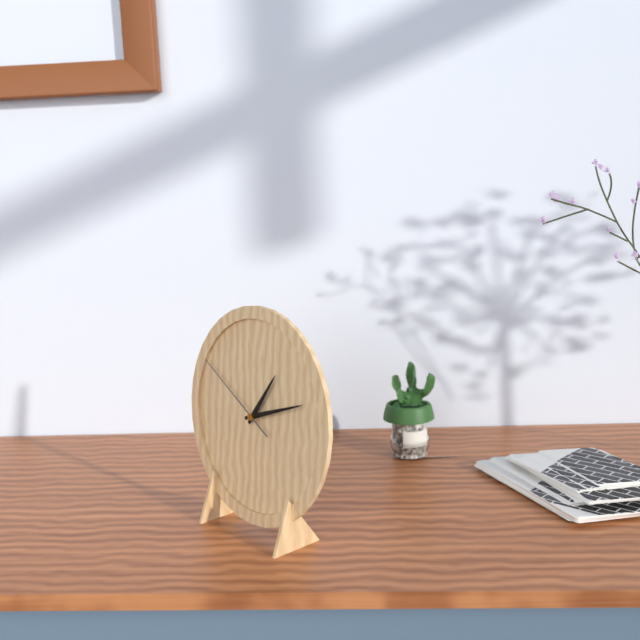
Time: {"hour": 1, "minute": 12, "second": 50}
